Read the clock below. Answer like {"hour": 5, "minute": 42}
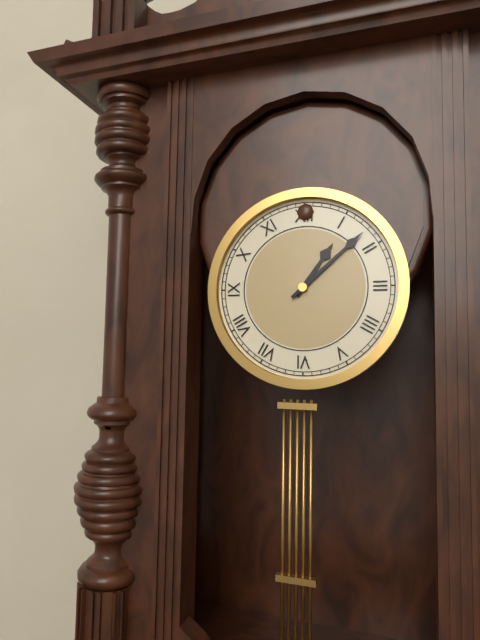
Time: {"hour": 1, "minute": 8}
